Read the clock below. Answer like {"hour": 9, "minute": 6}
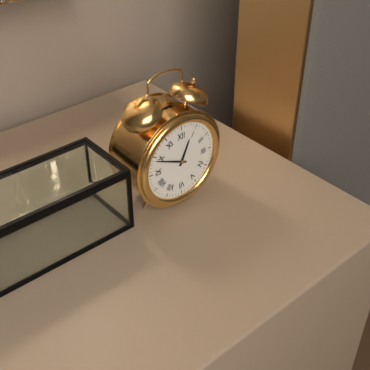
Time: {"hour": 12, "minute": 49}
